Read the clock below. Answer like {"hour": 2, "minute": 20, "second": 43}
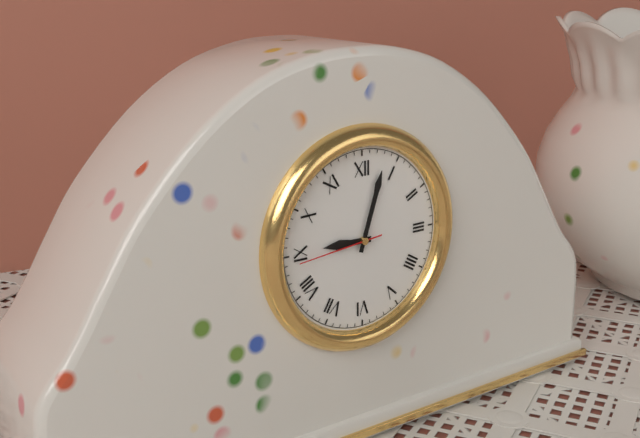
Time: {"hour": 9, "minute": 3, "second": 44}
